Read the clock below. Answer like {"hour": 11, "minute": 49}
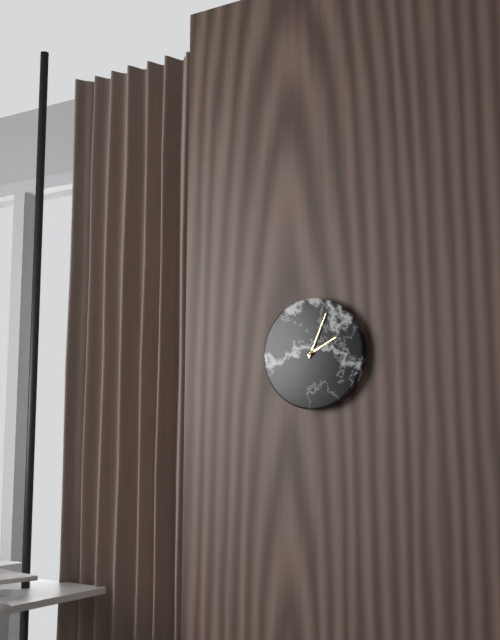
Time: {"hour": 2, "minute": 4}
